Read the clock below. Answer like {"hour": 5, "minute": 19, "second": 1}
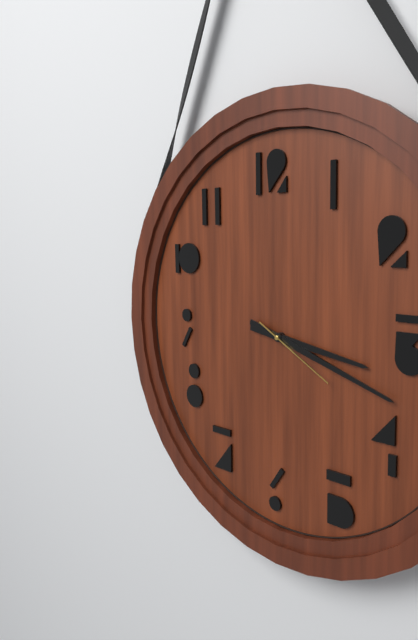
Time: {"hour": 3, "minute": 18, "second": 20}
